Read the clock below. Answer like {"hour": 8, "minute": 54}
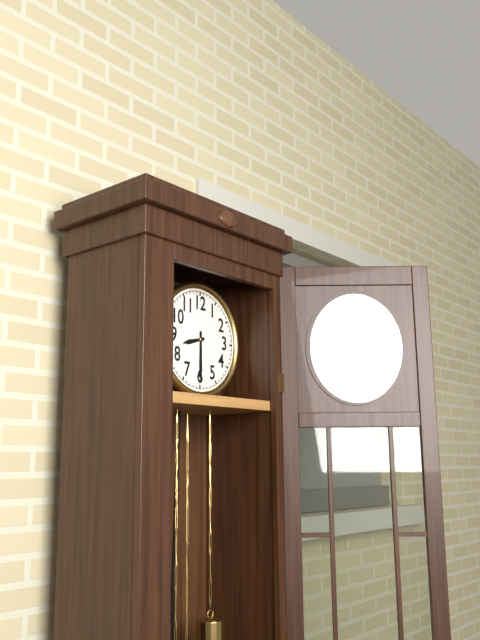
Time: {"hour": 8, "minute": 30}
